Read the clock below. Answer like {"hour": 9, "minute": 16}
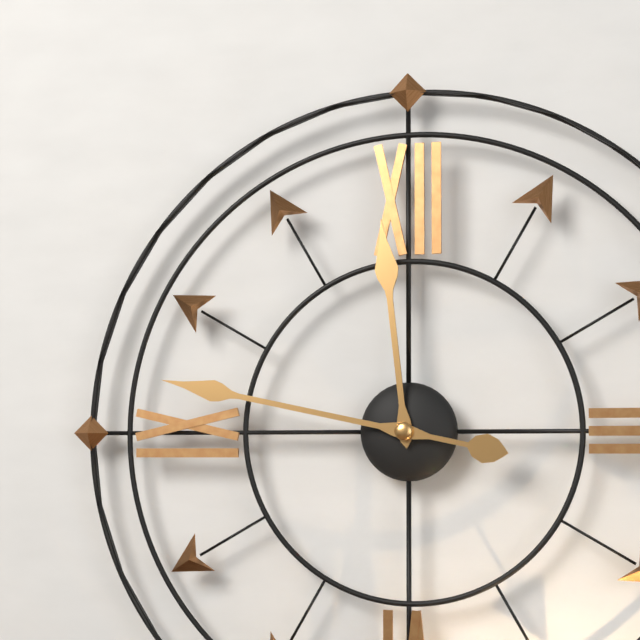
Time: {"hour": 11, "minute": 47}
